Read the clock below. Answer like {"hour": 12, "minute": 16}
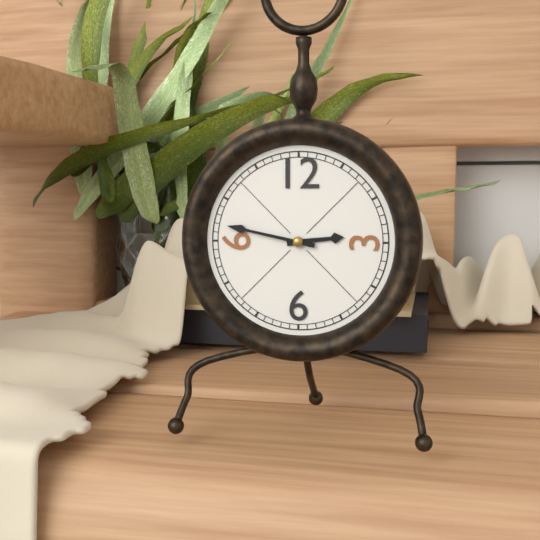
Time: {"hour": 2, "minute": 47}
